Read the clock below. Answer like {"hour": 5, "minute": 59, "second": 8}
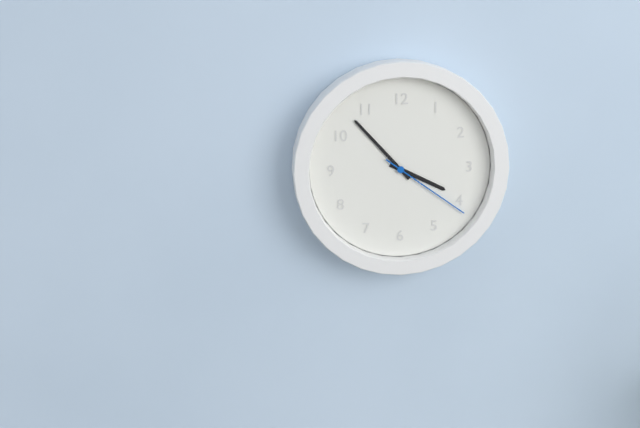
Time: {"hour": 3, "minute": 53, "second": 21}
